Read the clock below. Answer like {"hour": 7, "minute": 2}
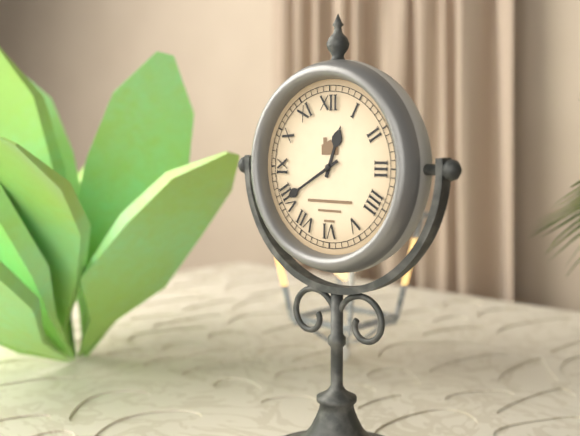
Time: {"hour": 12, "minute": 40}
